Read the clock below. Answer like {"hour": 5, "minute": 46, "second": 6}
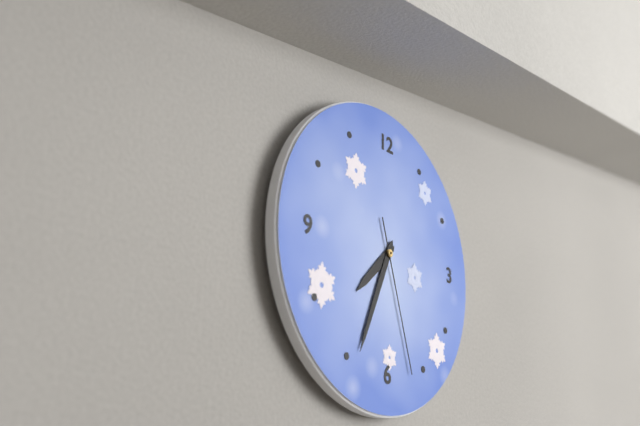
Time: {"hour": 7, "minute": 34, "second": 27}
